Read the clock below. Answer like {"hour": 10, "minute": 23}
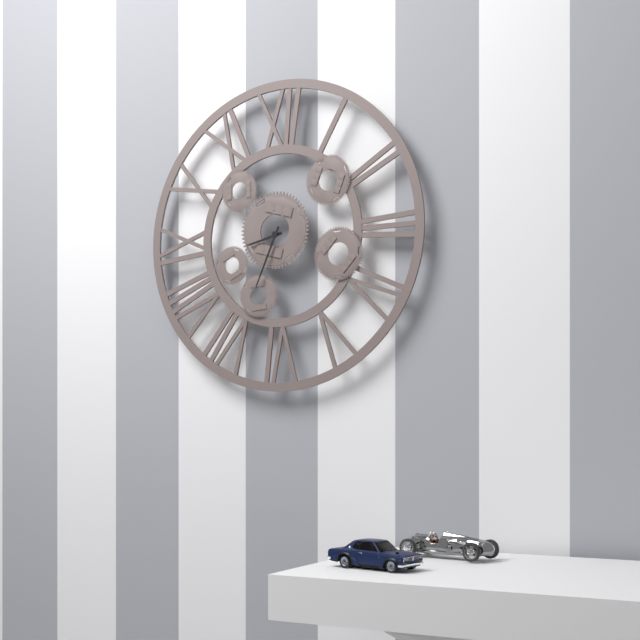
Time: {"hour": 8, "minute": 34}
